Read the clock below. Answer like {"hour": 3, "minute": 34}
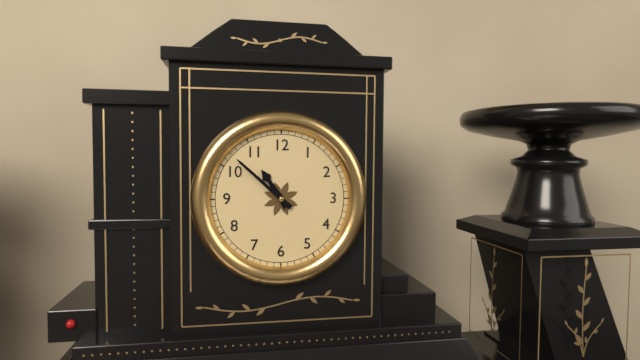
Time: {"hour": 10, "minute": 52}
